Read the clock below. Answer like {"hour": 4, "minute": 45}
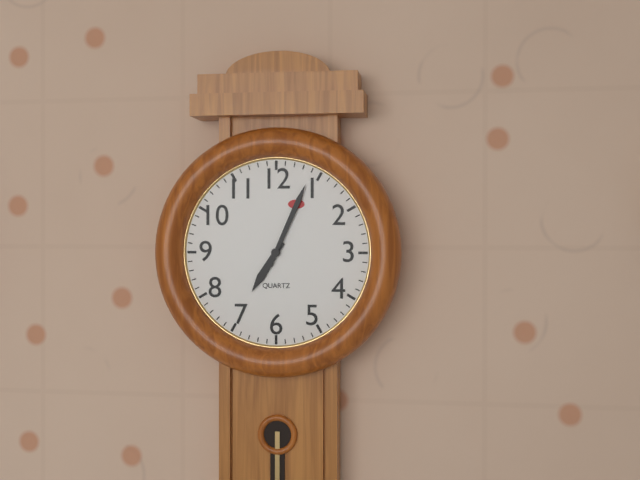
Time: {"hour": 7, "minute": 4}
